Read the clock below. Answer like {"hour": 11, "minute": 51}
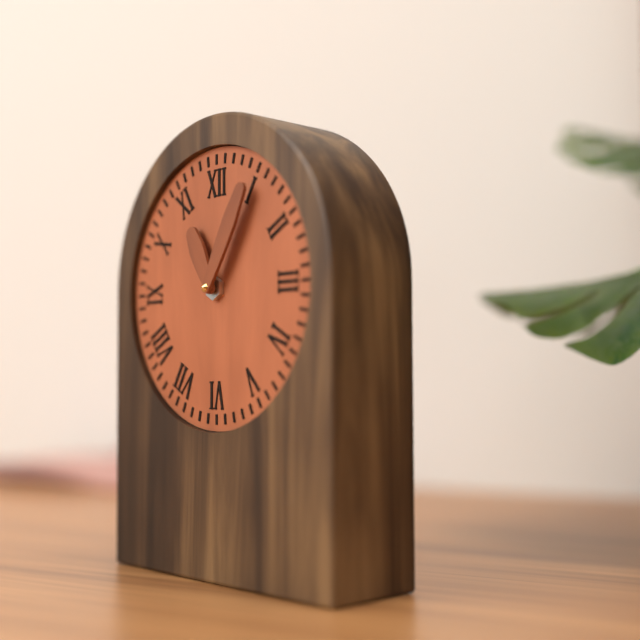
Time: {"hour": 11, "minute": 5}
